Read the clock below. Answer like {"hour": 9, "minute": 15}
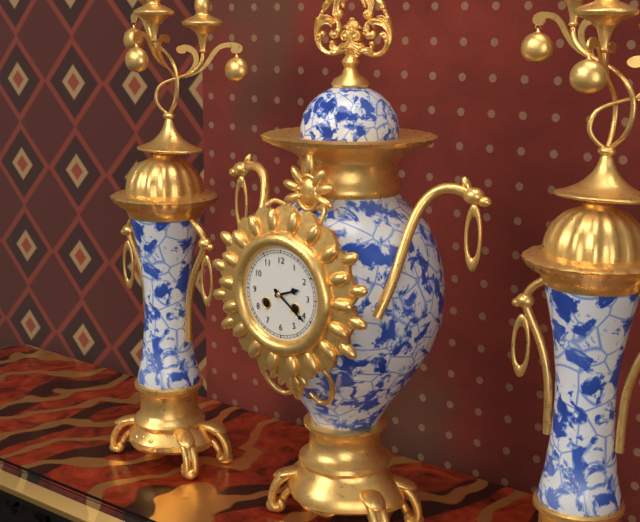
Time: {"hour": 2, "minute": 21}
